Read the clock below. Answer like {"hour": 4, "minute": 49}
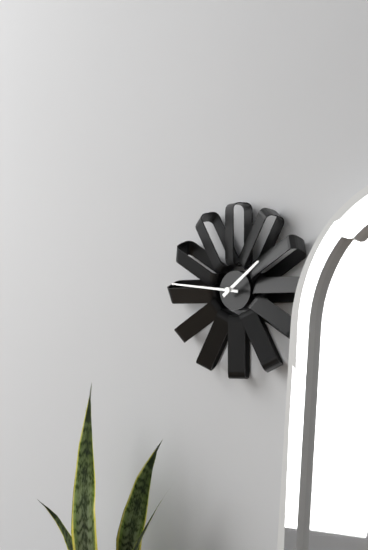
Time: {"hour": 1, "minute": 46}
